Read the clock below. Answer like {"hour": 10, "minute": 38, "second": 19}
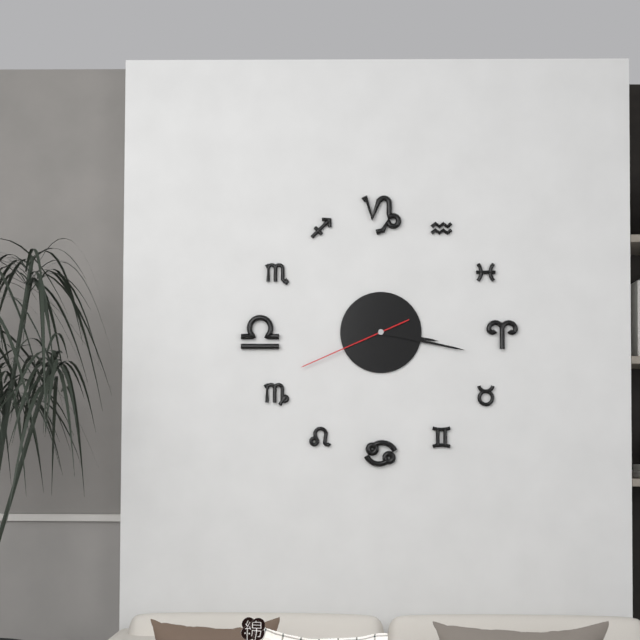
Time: {"hour": 3, "minute": 17, "second": 41}
